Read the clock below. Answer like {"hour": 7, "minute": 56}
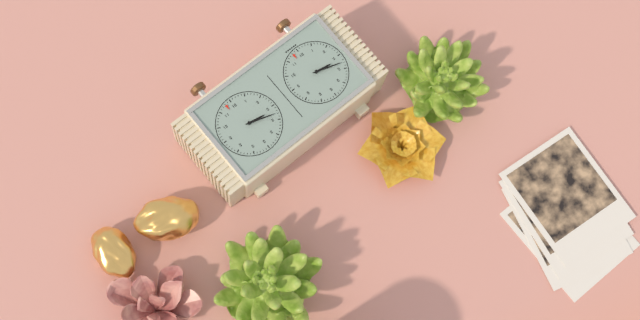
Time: {"hour": 3, "minute": 18}
